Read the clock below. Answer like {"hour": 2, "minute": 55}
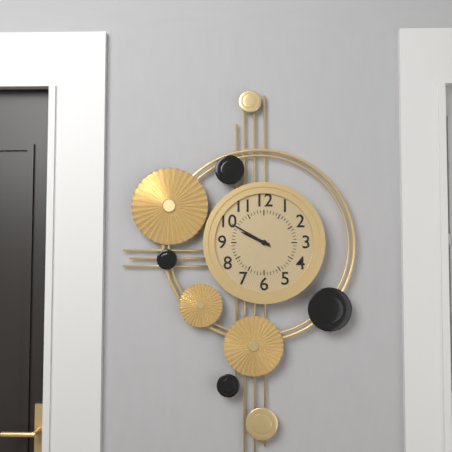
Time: {"hour": 9, "minute": 50}
